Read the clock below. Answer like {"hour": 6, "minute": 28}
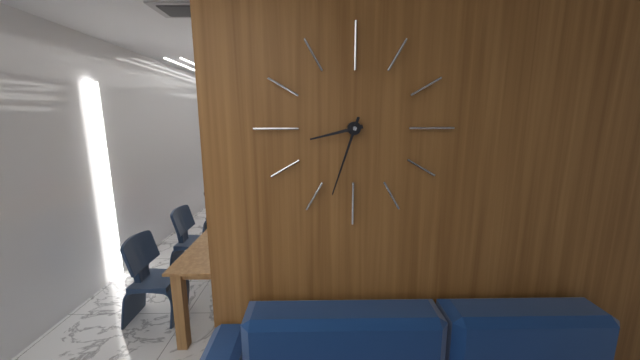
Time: {"hour": 8, "minute": 33}
